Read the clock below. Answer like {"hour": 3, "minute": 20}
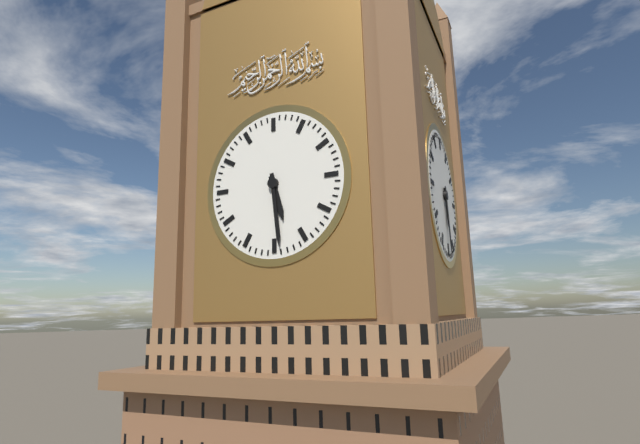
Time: {"hour": 5, "minute": 29}
